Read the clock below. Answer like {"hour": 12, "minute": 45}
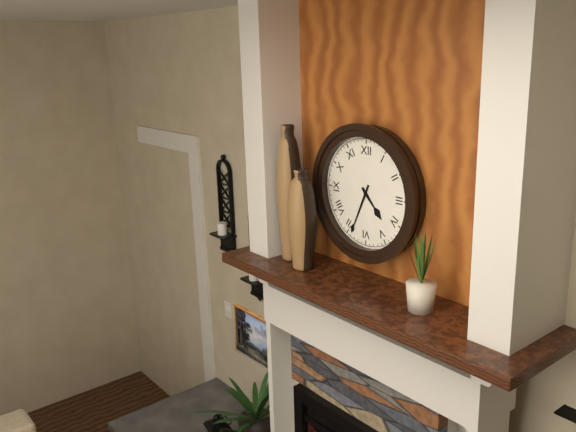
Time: {"hour": 4, "minute": 34}
